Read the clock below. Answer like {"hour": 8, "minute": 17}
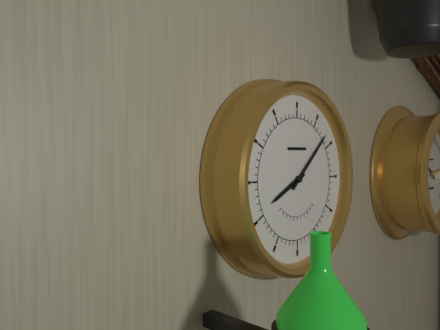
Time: {"hour": 8, "minute": 8}
